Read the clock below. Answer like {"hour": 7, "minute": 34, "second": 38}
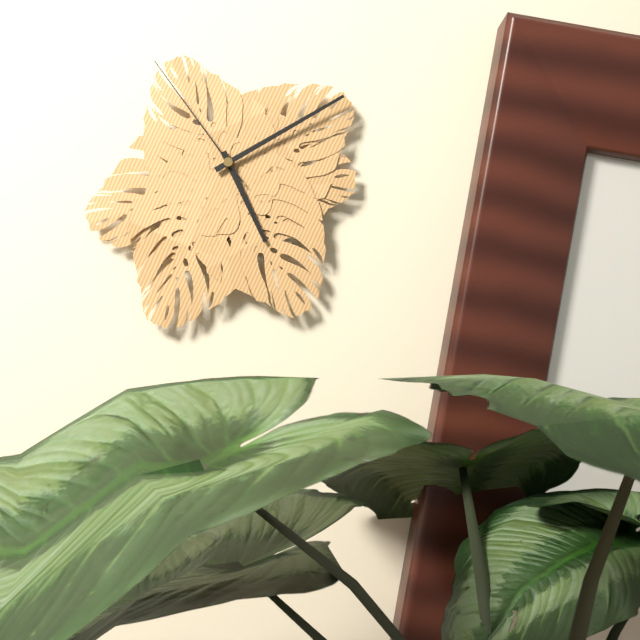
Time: {"hour": 5, "minute": 10, "second": 54}
